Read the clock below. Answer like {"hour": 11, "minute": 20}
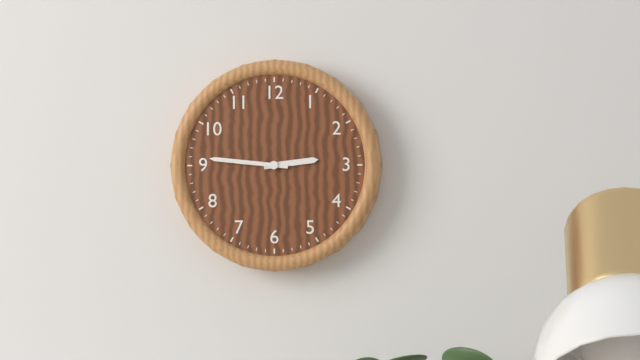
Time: {"hour": 2, "minute": 46}
